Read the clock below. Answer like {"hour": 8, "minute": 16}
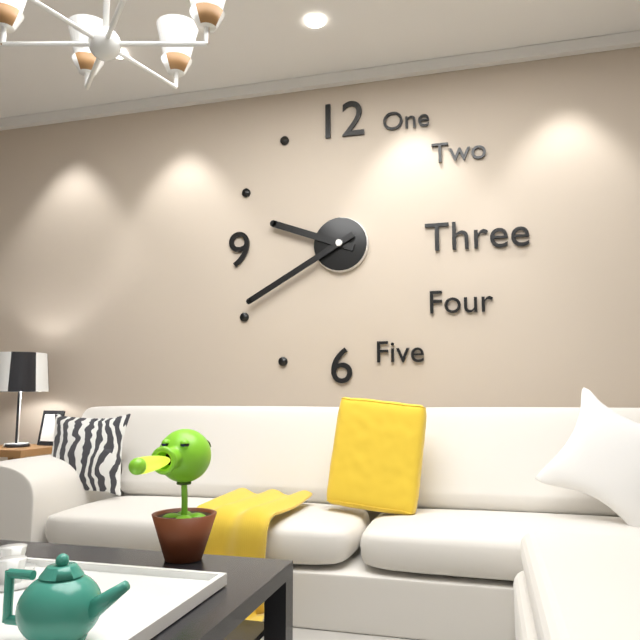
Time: {"hour": 9, "minute": 40}
